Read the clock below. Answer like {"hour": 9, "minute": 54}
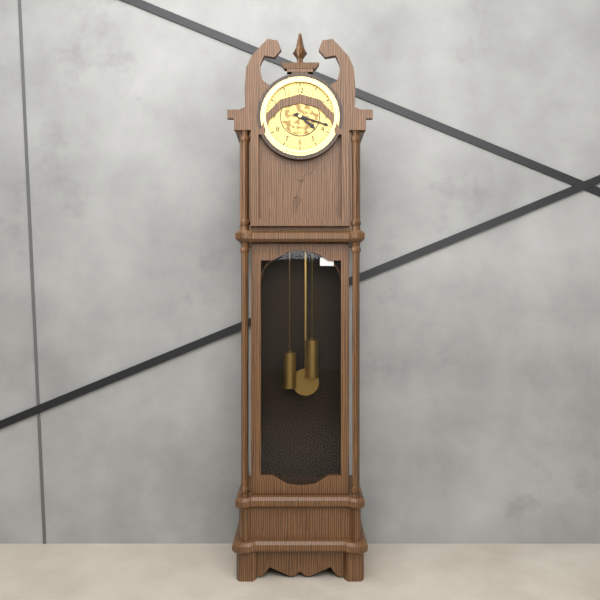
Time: {"hour": 4, "minute": 18}
